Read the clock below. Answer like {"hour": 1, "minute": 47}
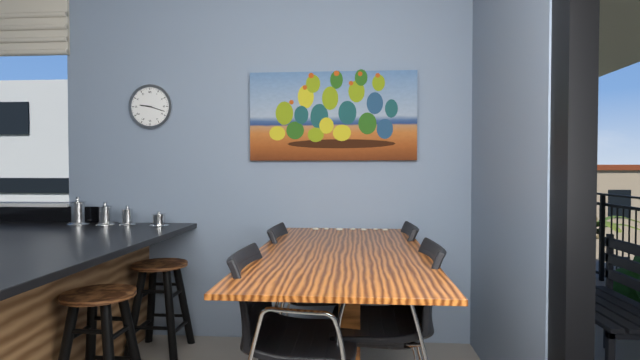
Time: {"hour": 9, "minute": 18}
